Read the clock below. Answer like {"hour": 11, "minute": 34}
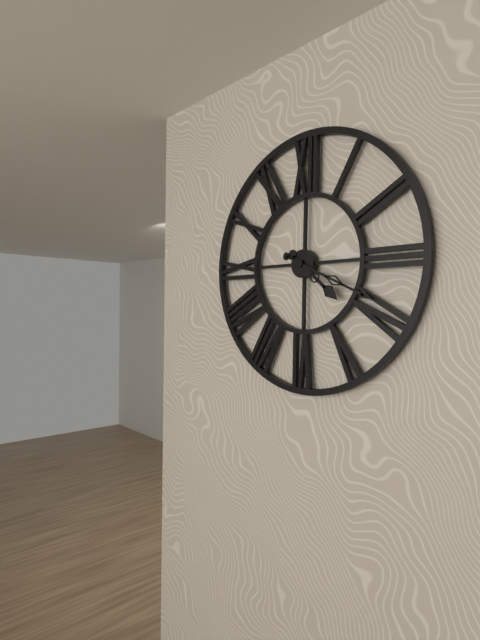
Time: {"hour": 4, "minute": 19}
